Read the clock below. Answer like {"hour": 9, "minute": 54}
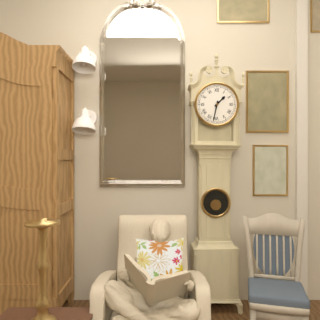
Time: {"hour": 1, "minute": 32}
